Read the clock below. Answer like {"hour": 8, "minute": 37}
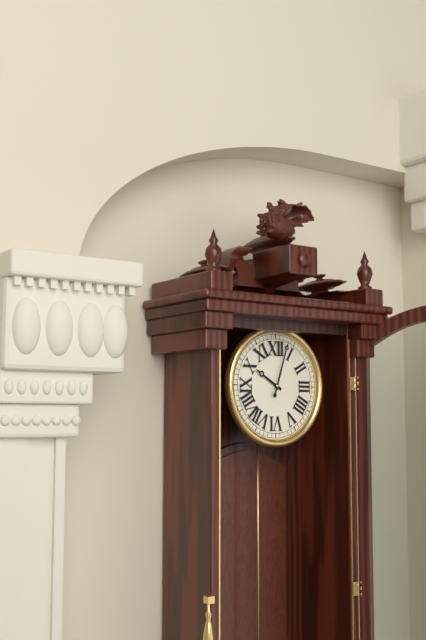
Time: {"hour": 10, "minute": 3}
